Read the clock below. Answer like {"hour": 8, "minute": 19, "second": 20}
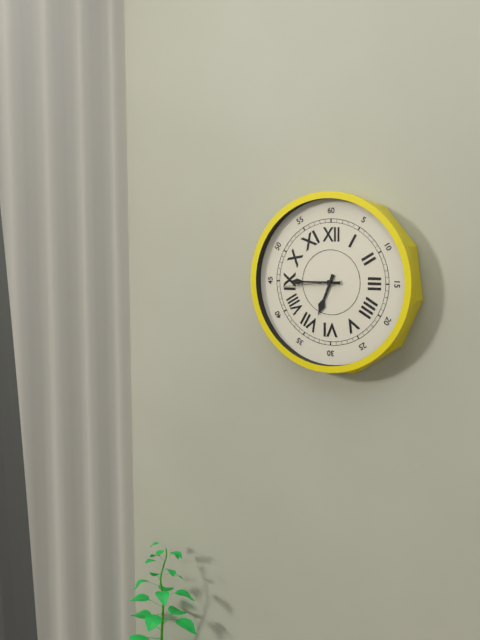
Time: {"hour": 6, "minute": 45, "second": 44}
